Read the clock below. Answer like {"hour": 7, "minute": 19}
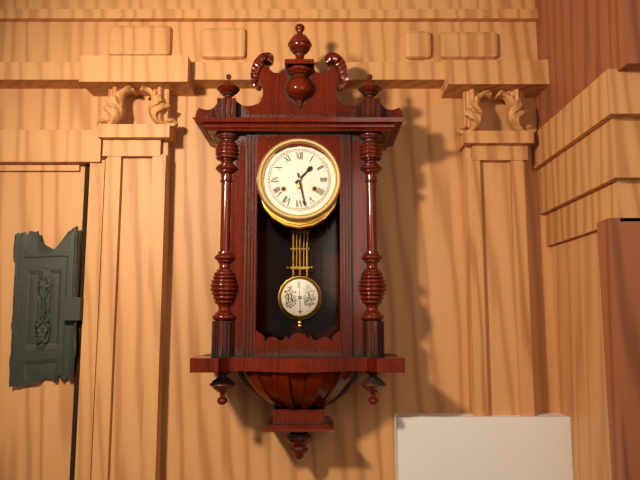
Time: {"hour": 1, "minute": 28}
